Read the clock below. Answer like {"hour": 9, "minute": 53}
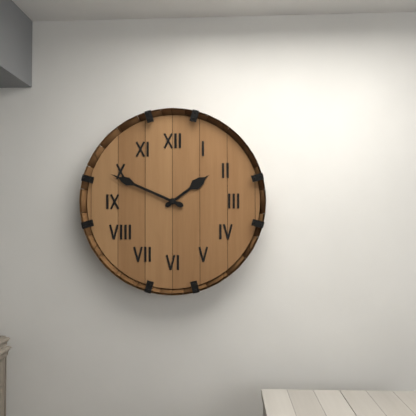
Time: {"hour": 1, "minute": 49}
